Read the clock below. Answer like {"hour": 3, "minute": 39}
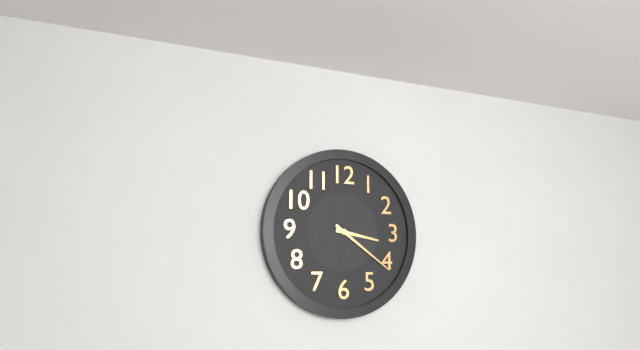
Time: {"hour": 3, "minute": 21}
